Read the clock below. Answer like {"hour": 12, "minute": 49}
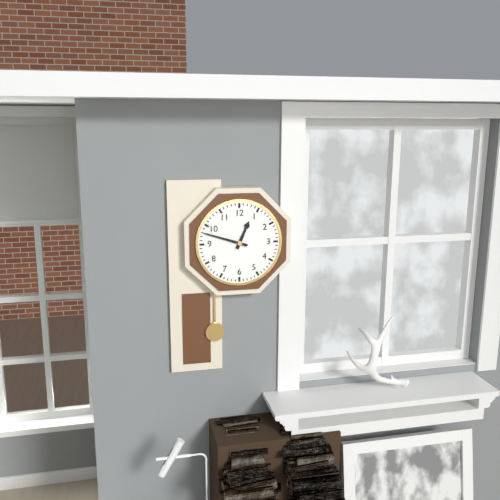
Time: {"hour": 12, "minute": 48}
